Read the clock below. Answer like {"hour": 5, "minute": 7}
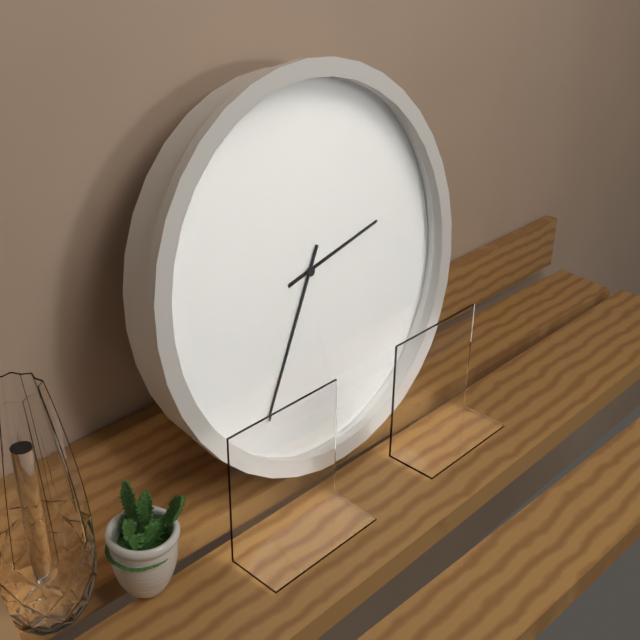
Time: {"hour": 2, "minute": 35}
